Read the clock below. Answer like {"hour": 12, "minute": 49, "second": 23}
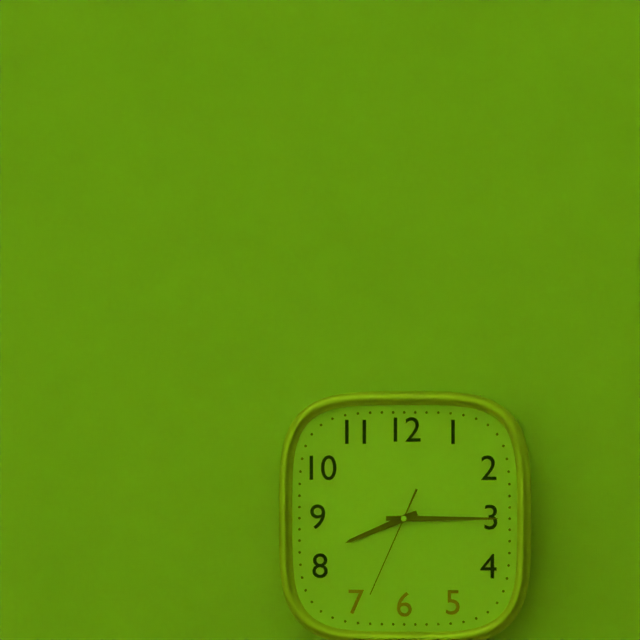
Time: {"hour": 8, "minute": 15, "second": 34}
